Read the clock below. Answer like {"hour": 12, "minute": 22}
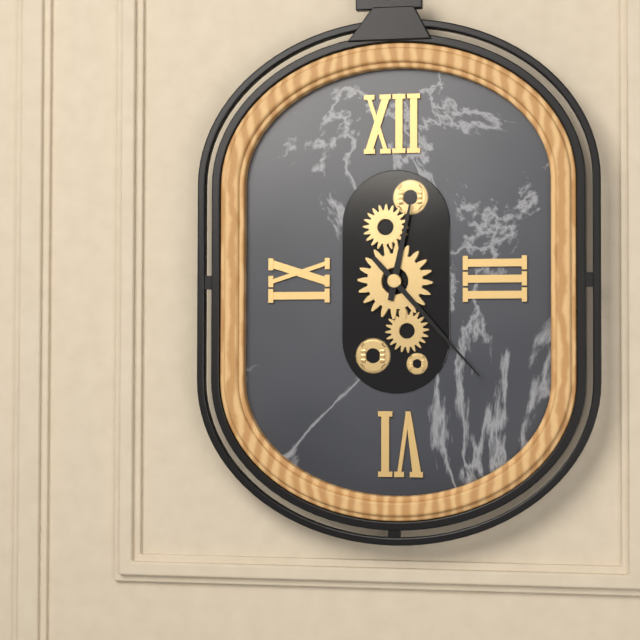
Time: {"hour": 12, "minute": 23}
